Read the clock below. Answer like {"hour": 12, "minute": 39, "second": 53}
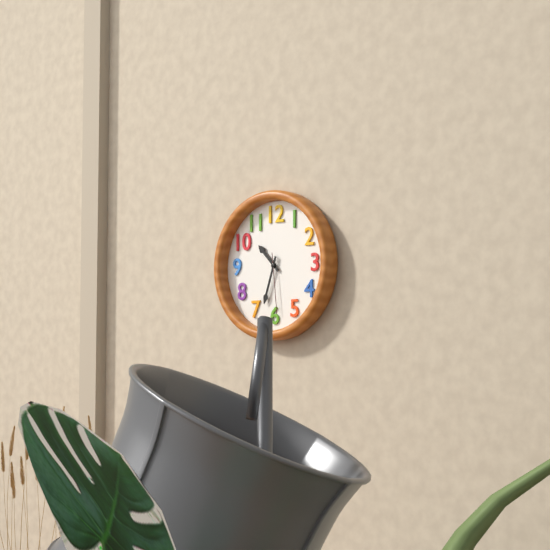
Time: {"hour": 10, "minute": 33, "second": 29}
